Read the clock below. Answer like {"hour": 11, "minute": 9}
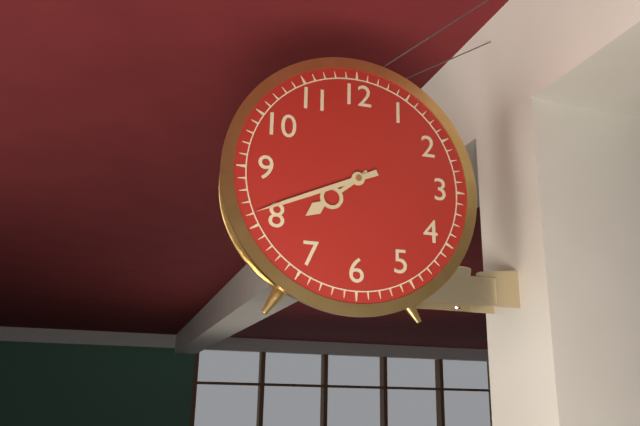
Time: {"hour": 7, "minute": 41}
